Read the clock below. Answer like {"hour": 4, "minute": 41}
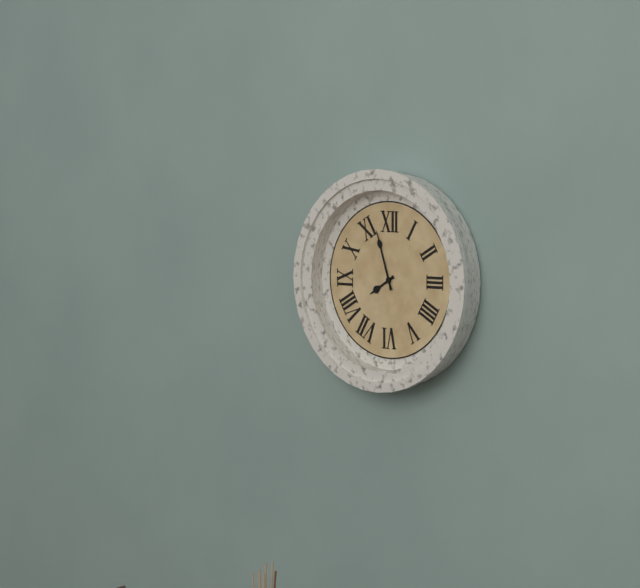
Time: {"hour": 7, "minute": 57}
